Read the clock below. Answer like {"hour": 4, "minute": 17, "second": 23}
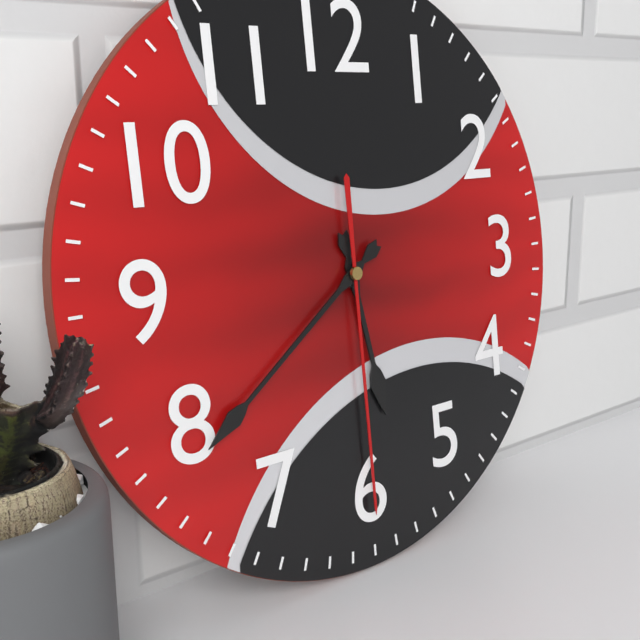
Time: {"hour": 5, "minute": 39, "second": 30}
